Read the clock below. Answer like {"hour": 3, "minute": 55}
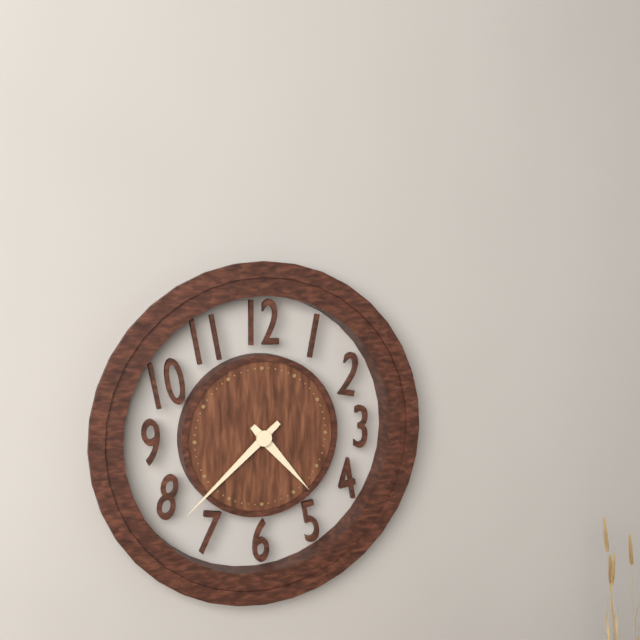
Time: {"hour": 4, "minute": 38}
